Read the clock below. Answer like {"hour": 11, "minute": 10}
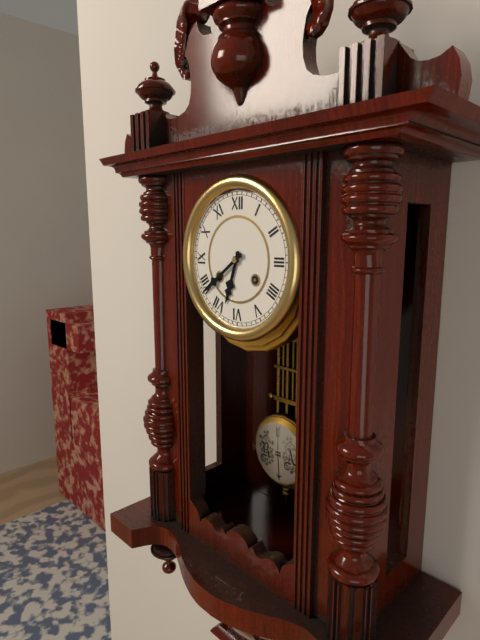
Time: {"hour": 6, "minute": 39}
